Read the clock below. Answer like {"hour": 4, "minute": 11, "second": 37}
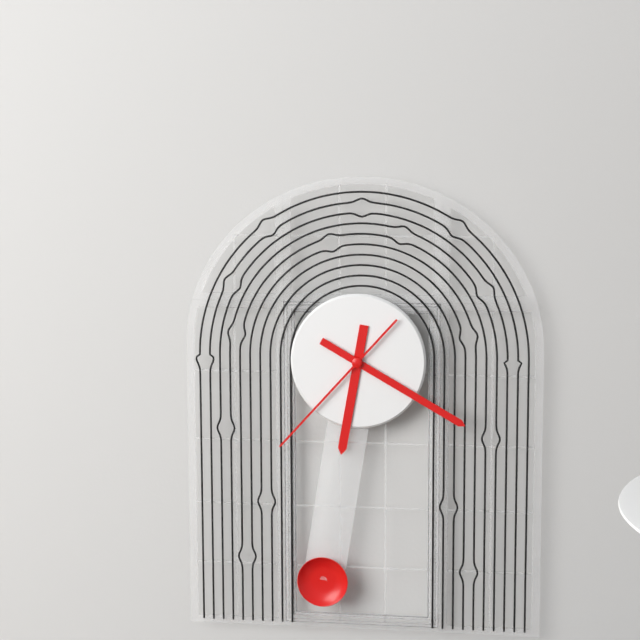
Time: {"hour": 6, "minute": 20, "second": 37}
